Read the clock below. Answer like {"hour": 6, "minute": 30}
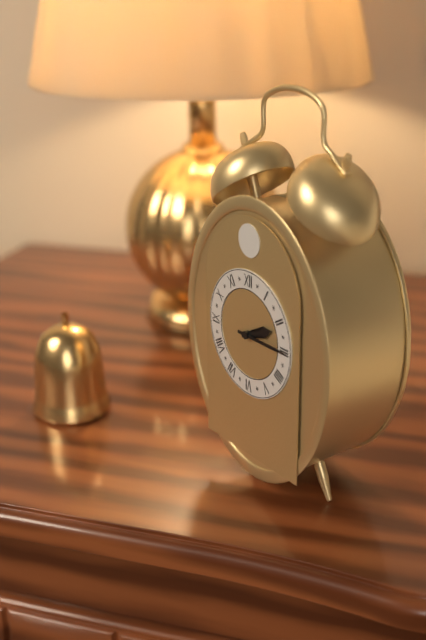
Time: {"hour": 2, "minute": 15}
